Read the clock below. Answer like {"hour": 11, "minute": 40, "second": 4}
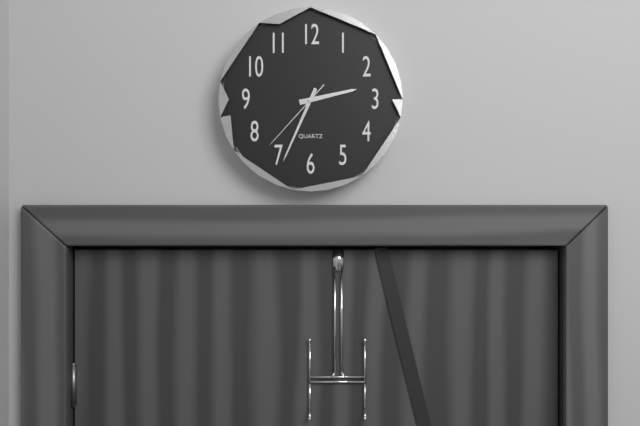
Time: {"hour": 2, "minute": 34, "second": 37}
